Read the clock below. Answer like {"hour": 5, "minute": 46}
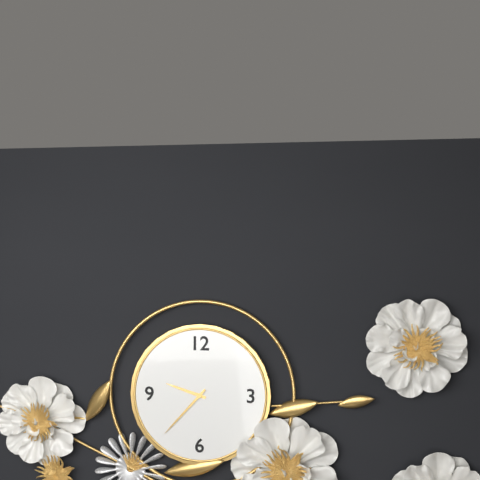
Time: {"hour": 9, "minute": 37}
